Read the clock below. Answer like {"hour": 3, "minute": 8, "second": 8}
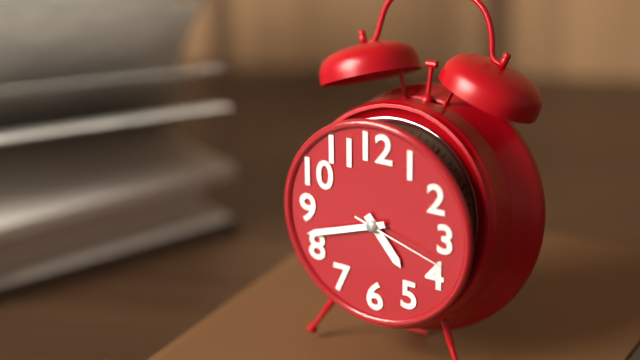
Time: {"hour": 4, "minute": 42, "second": 18}
